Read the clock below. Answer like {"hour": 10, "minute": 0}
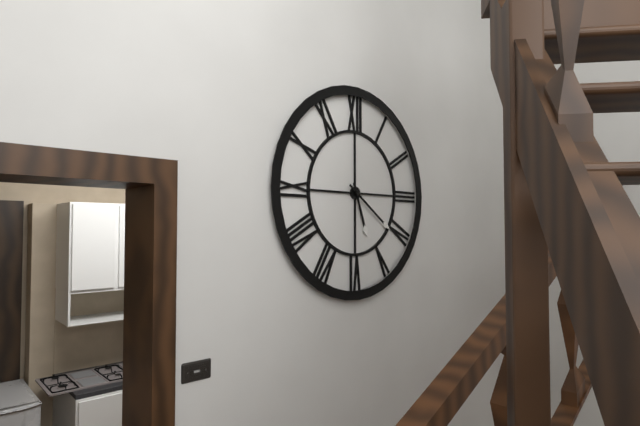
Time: {"hour": 5, "minute": 21}
